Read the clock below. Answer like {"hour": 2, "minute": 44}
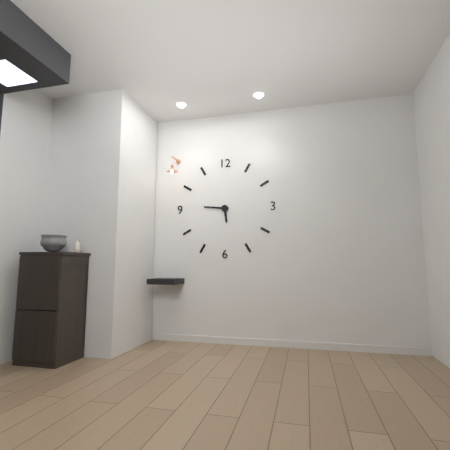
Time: {"hour": 5, "minute": 46}
